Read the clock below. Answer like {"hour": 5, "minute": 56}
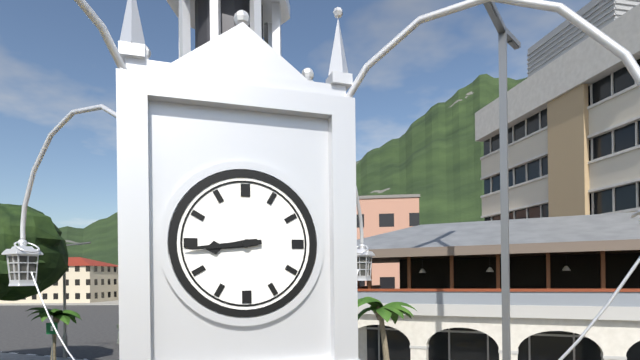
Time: {"hour": 8, "minute": 44}
